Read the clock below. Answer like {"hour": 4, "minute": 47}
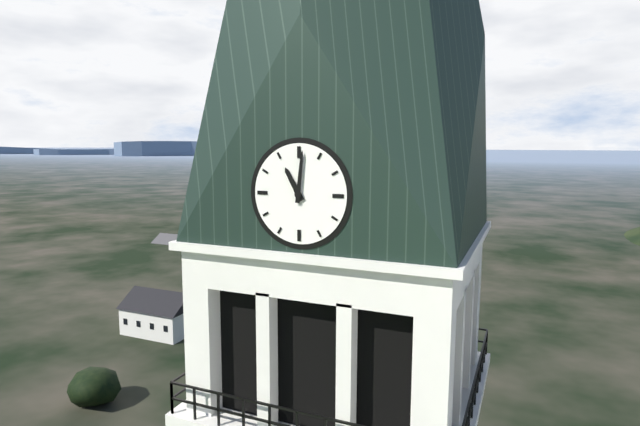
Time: {"hour": 11, "minute": 1}
